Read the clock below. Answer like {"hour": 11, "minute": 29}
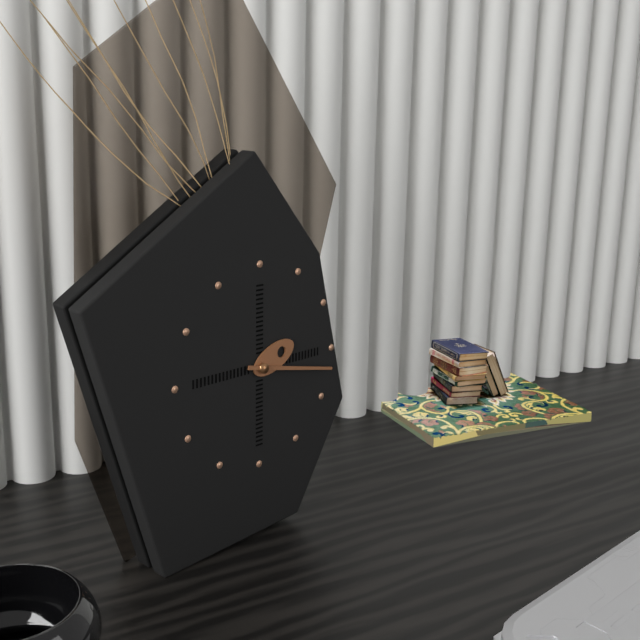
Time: {"hour": 2, "minute": 17}
